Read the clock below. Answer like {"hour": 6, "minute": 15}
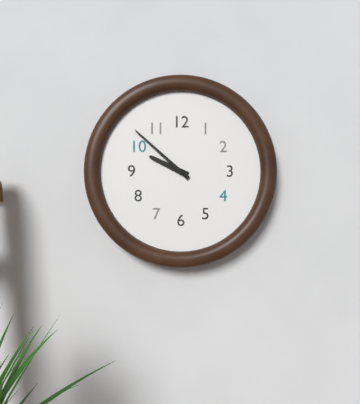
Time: {"hour": 9, "minute": 52}
